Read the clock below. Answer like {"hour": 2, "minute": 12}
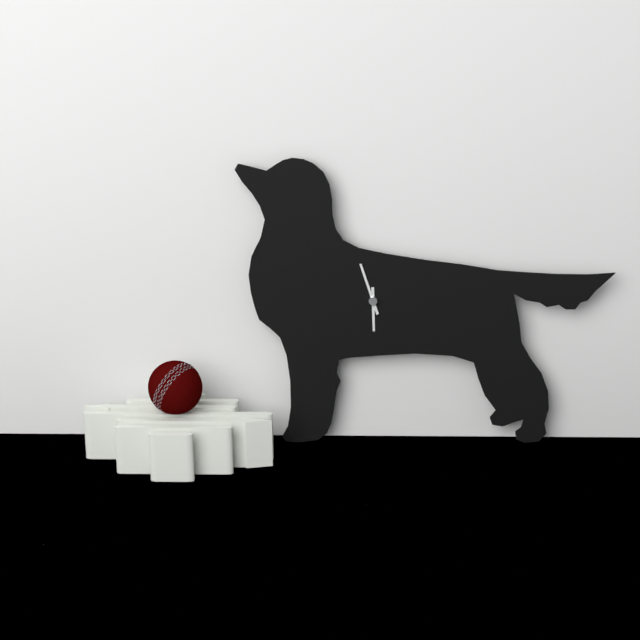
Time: {"hour": 5, "minute": 57}
